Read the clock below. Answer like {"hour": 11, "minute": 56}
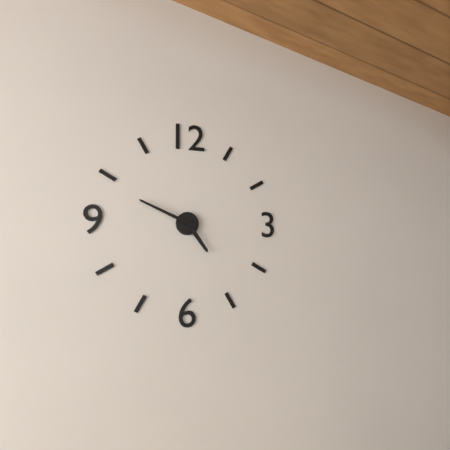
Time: {"hour": 4, "minute": 49}
